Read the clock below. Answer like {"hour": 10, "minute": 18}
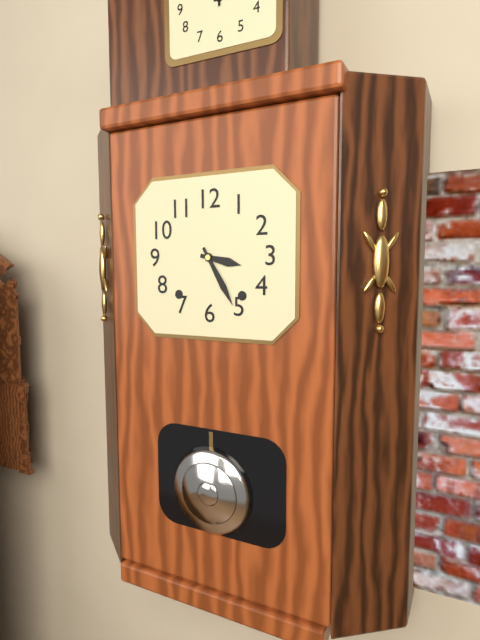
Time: {"hour": 3, "minute": 25}
